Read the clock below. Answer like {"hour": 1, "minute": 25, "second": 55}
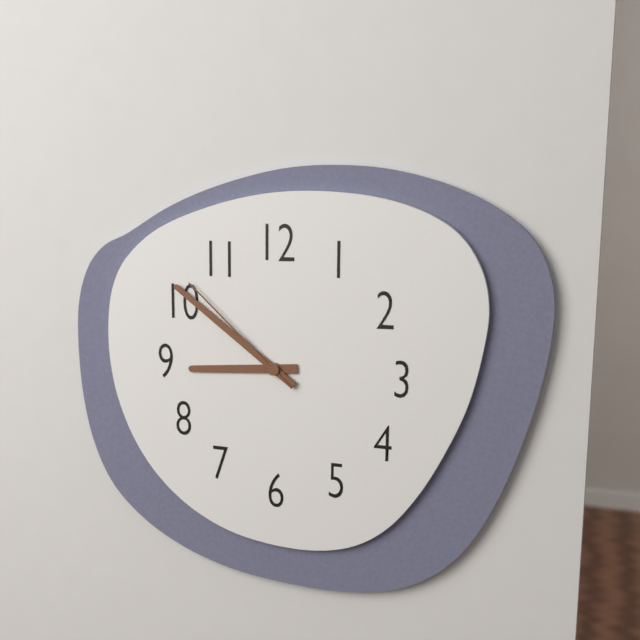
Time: {"hour": 8, "minute": 51, "second": 52}
